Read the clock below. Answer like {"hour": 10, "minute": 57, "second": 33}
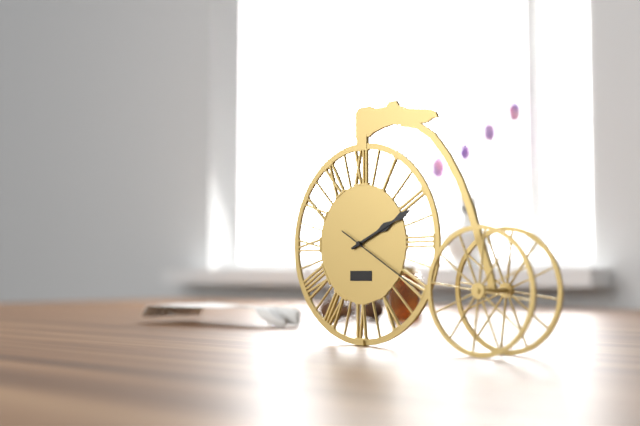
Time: {"hour": 2, "minute": 11, "second": 20}
